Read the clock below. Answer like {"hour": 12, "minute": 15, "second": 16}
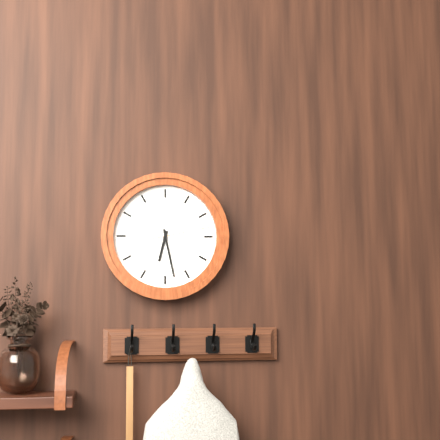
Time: {"hour": 6, "minute": 28, "second": 13}
